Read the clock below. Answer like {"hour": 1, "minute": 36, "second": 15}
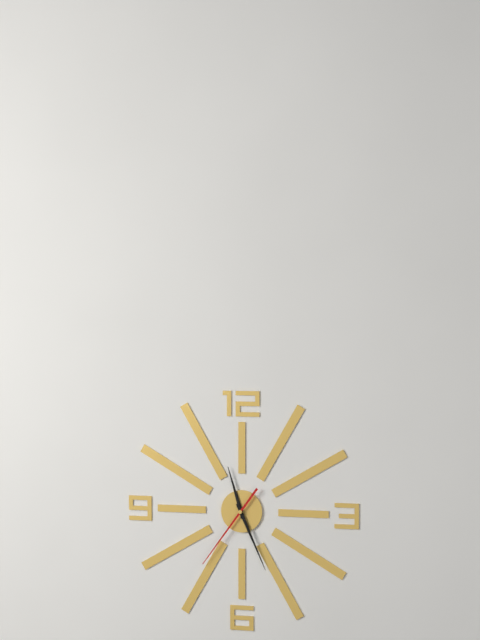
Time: {"hour": 11, "minute": 26, "second": 36}
